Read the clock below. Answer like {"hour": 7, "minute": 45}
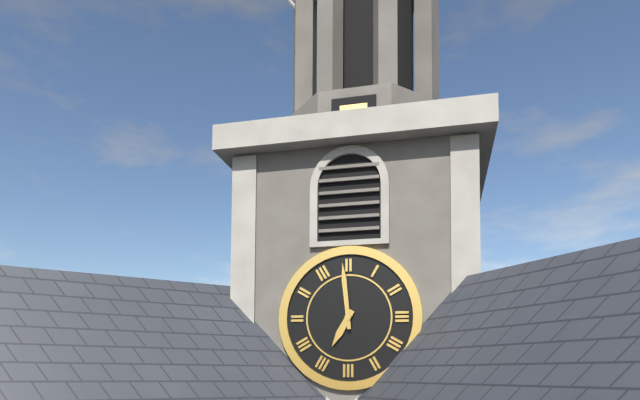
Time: {"hour": 6, "minute": 59}
